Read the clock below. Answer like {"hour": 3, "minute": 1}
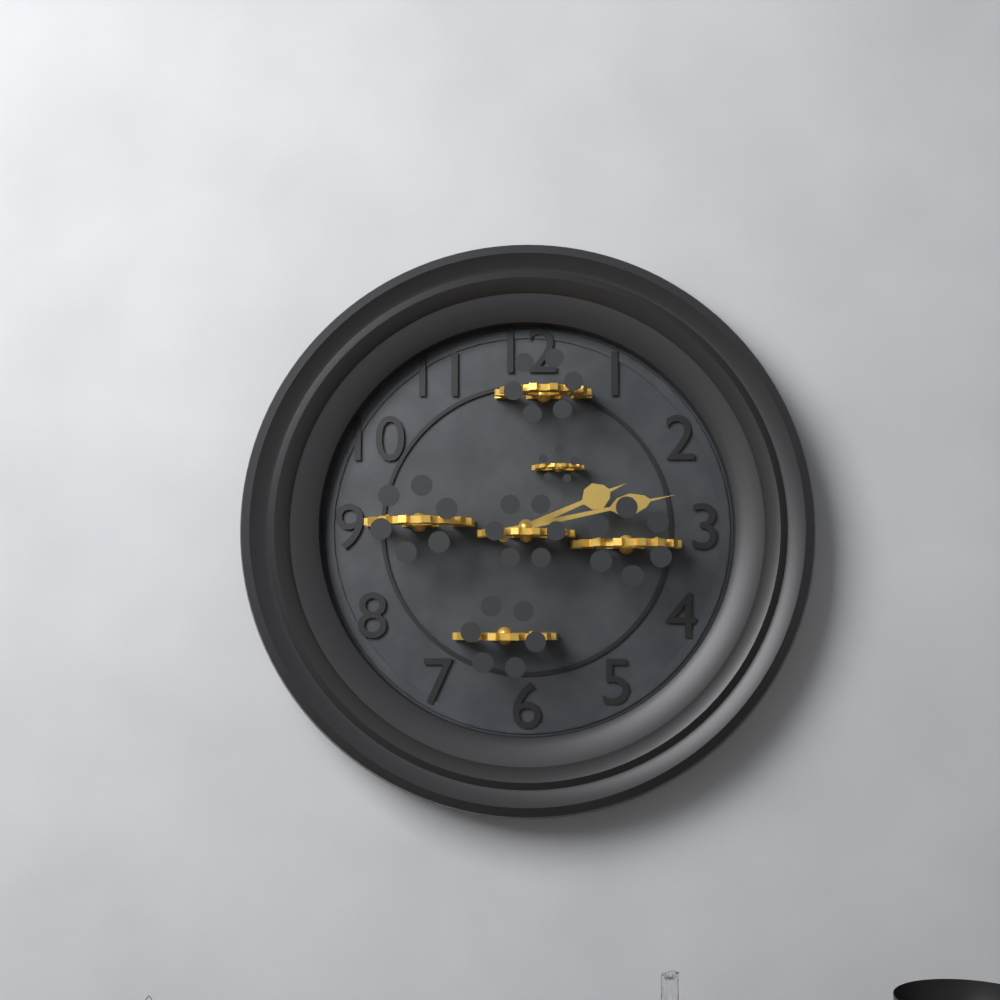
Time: {"hour": 2, "minute": 13}
